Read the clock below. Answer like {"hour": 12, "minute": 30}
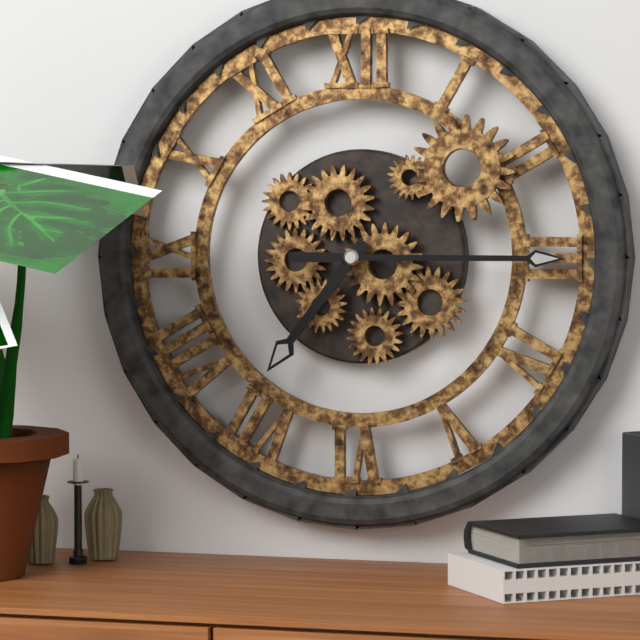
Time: {"hour": 7, "minute": 15}
